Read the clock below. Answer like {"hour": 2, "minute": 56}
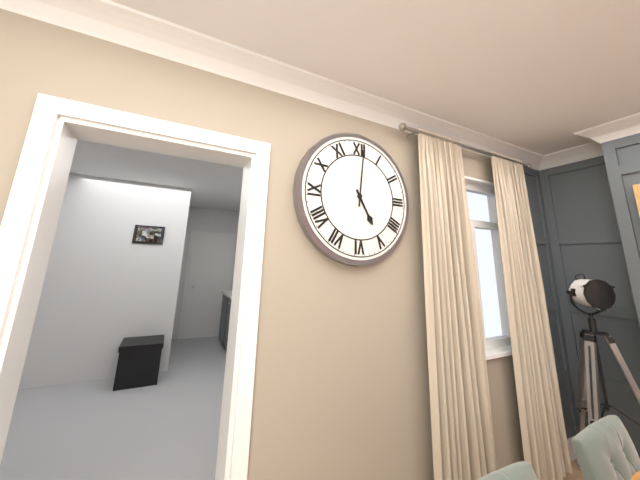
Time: {"hour": 5, "minute": 1}
